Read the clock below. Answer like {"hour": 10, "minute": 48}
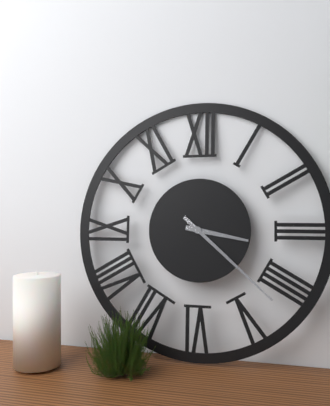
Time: {"hour": 3, "minute": 22}
